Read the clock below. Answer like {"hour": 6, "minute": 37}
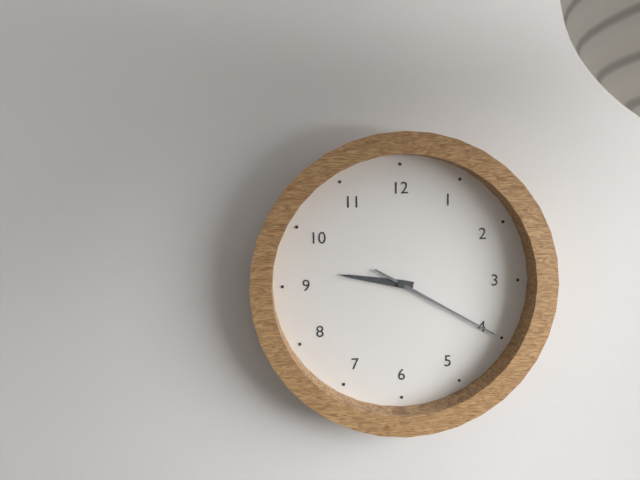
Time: {"hour": 9, "minute": 20}
